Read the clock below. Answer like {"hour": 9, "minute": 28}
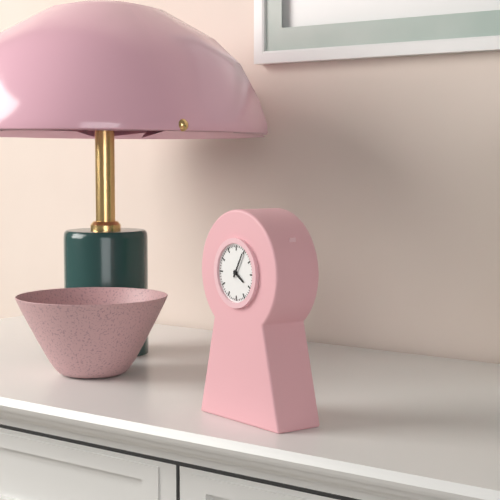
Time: {"hour": 4, "minute": 5}
